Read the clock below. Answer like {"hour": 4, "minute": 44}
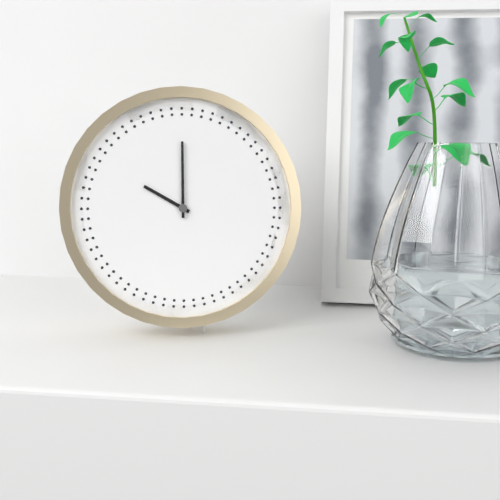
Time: {"hour": 10, "minute": 0}
